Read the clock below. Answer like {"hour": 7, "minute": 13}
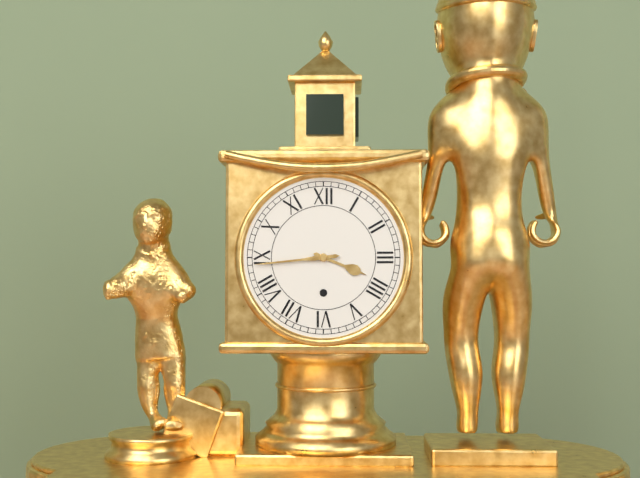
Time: {"hour": 3, "minute": 44}
